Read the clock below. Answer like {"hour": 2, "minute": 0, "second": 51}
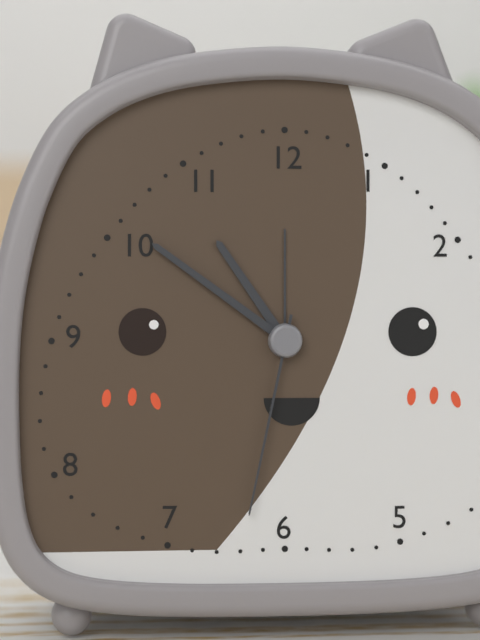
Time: {"hour": 10, "minute": 51, "second": 32}
